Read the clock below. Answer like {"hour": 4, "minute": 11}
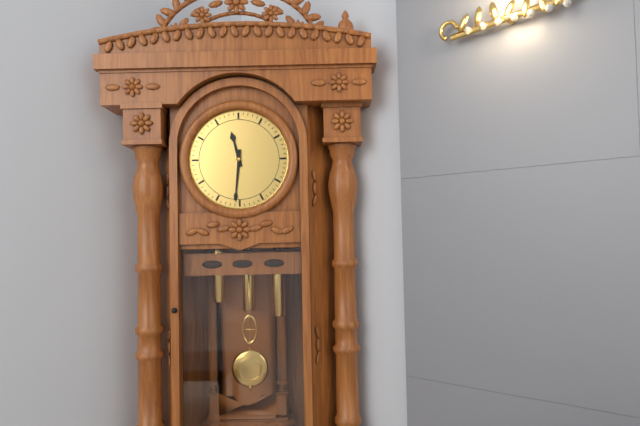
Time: {"hour": 11, "minute": 31}
